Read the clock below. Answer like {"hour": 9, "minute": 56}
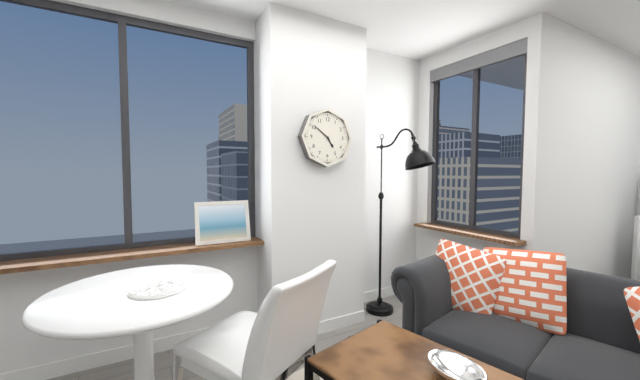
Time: {"hour": 4, "minute": 51}
